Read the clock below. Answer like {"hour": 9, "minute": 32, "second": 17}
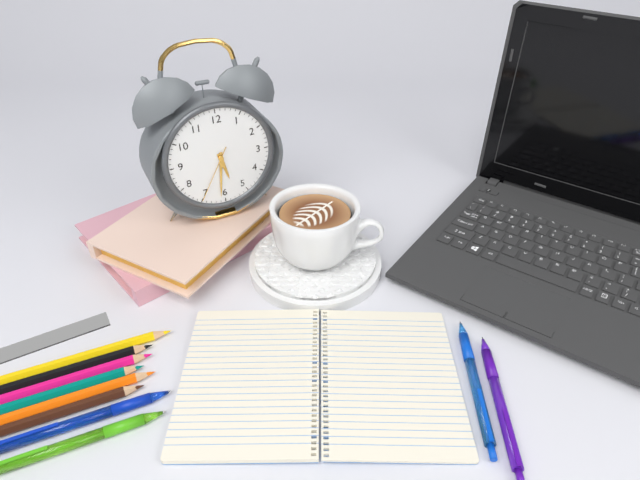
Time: {"hour": 5, "minute": 31, "second": 35}
